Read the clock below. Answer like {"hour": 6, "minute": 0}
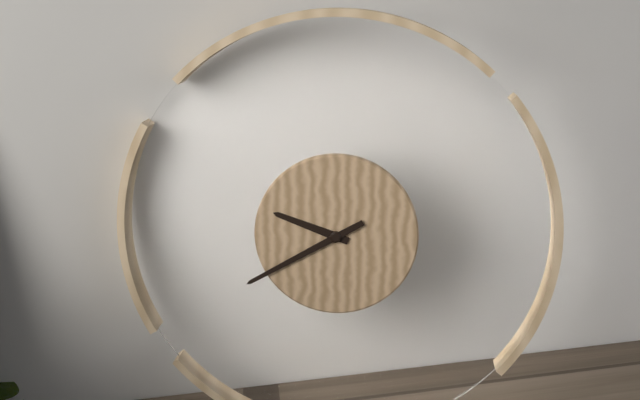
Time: {"hour": 9, "minute": 40}
